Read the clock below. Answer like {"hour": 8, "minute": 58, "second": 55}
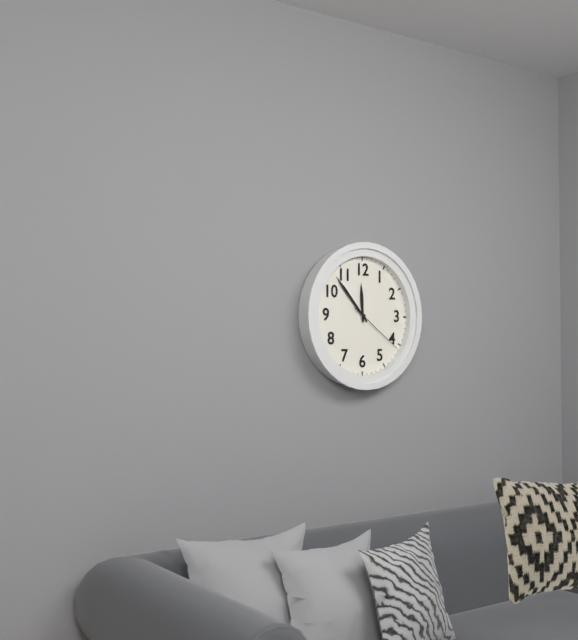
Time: {"hour": 11, "minute": 53, "second": 21}
